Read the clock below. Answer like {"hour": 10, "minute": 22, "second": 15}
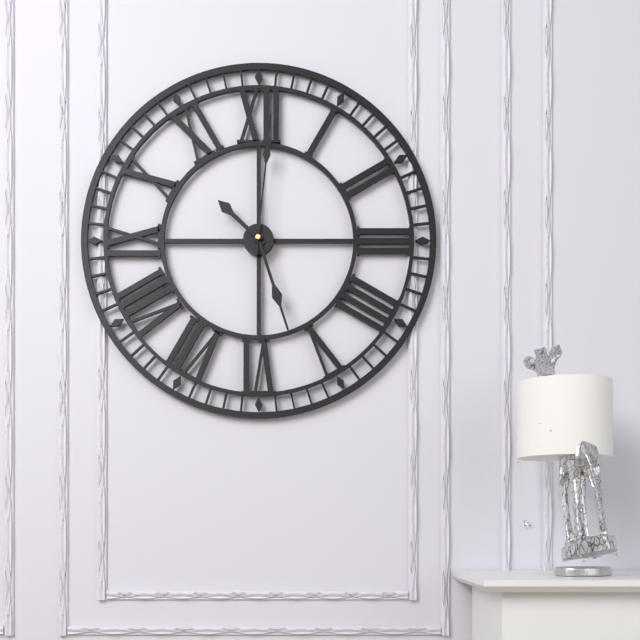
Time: {"hour": 10, "minute": 27, "second": 1}
